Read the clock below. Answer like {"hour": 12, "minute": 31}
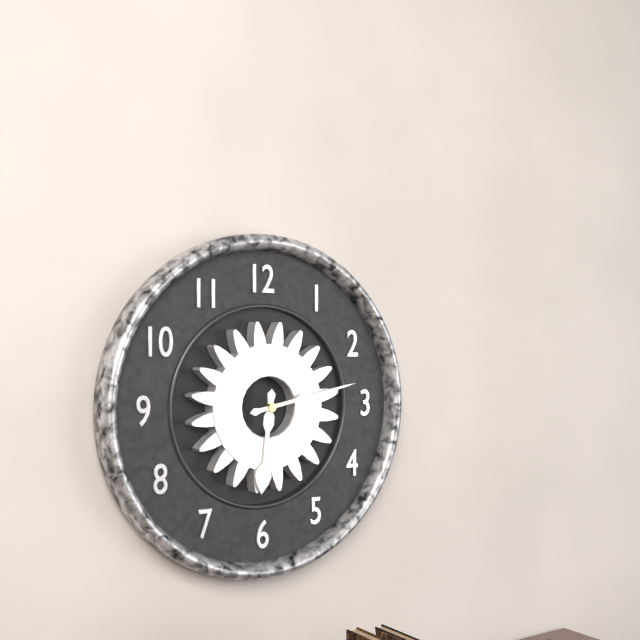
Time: {"hour": 6, "minute": 13}
